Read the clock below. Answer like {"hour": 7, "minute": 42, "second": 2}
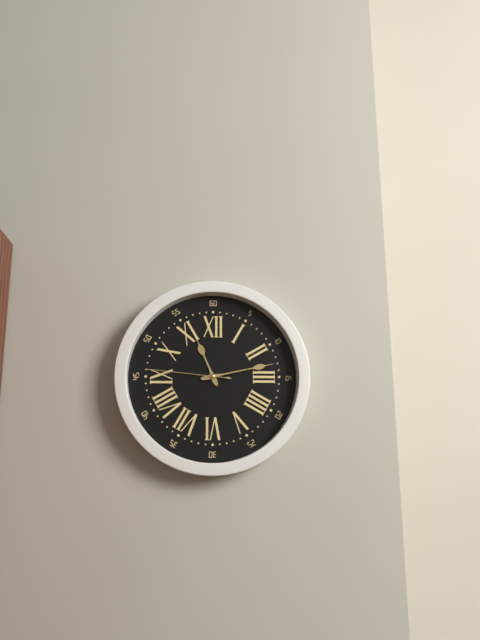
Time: {"hour": 11, "minute": 13, "second": 46}
